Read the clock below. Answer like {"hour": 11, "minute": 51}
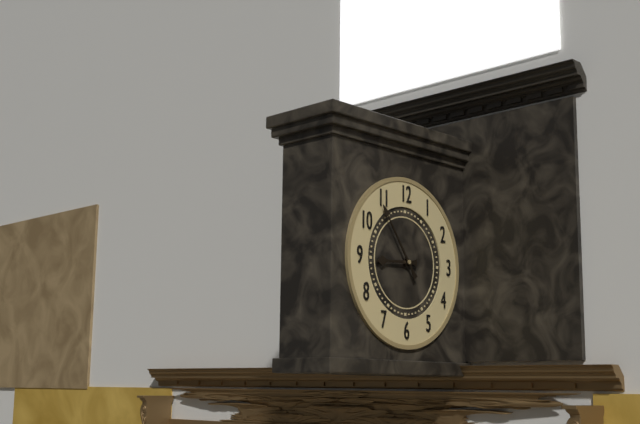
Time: {"hour": 8, "minute": 54}
